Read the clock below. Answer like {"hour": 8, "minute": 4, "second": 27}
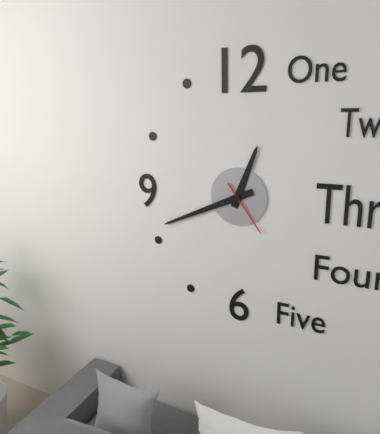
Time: {"hour": 12, "minute": 41, "second": 24}
